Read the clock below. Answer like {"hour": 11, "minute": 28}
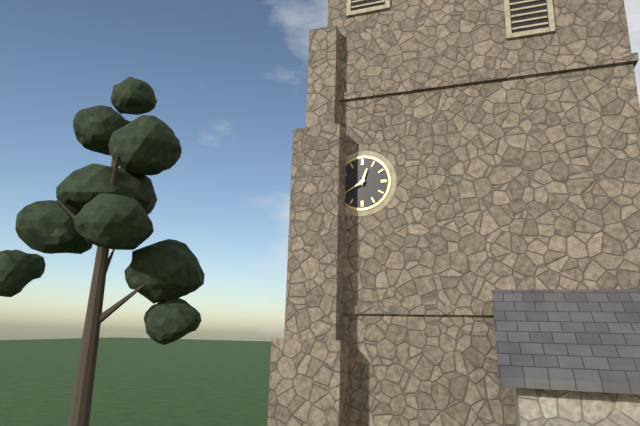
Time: {"hour": 12, "minute": 40}
